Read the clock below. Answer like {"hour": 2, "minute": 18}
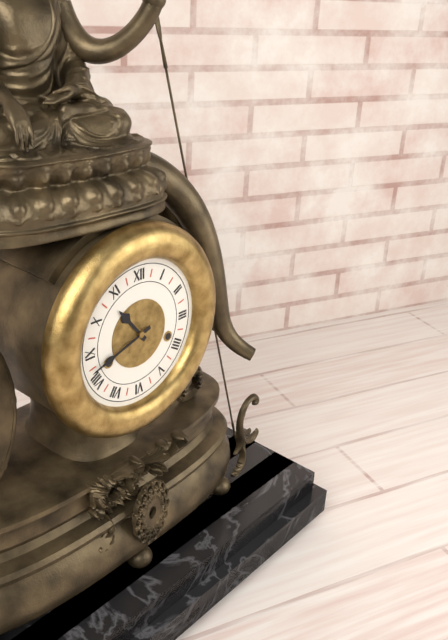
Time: {"hour": 10, "minute": 42}
